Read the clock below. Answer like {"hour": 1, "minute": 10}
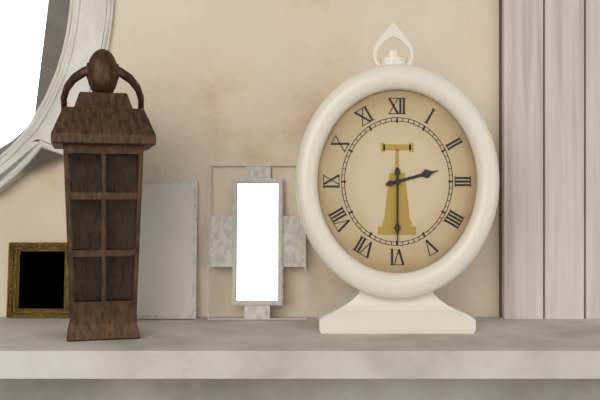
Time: {"hour": 2, "minute": 30}
